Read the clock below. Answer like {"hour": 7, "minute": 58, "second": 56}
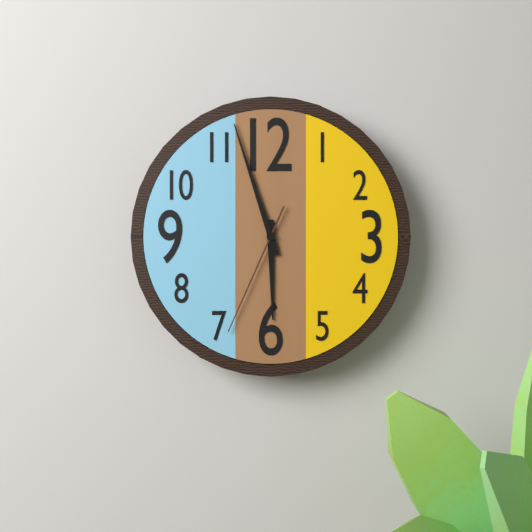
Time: {"hour": 5, "minute": 57, "second": 34}
